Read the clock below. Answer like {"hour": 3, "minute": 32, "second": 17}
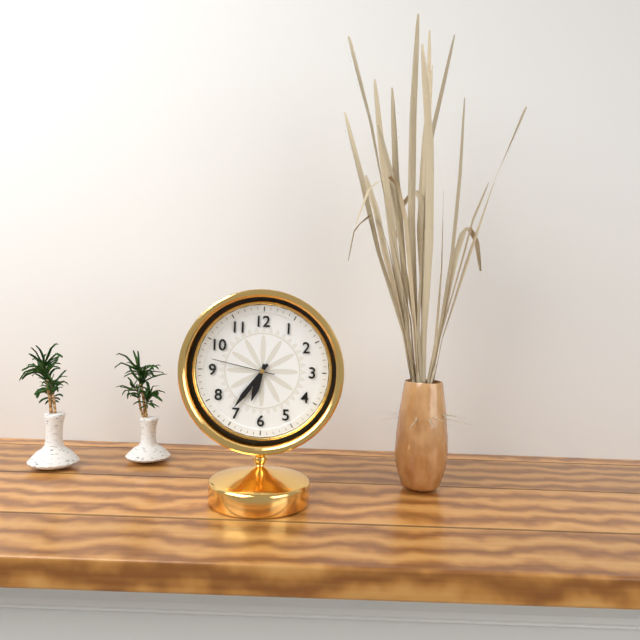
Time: {"hour": 6, "minute": 36, "second": 47}
